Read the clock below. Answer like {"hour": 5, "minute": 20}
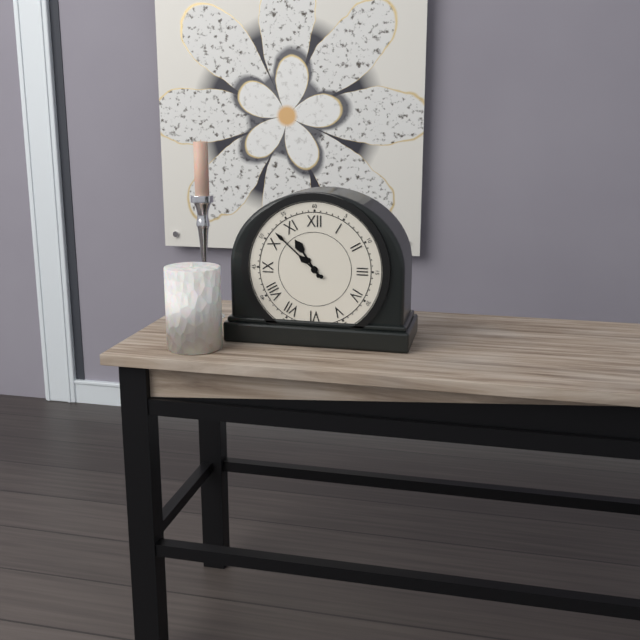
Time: {"hour": 10, "minute": 52}
